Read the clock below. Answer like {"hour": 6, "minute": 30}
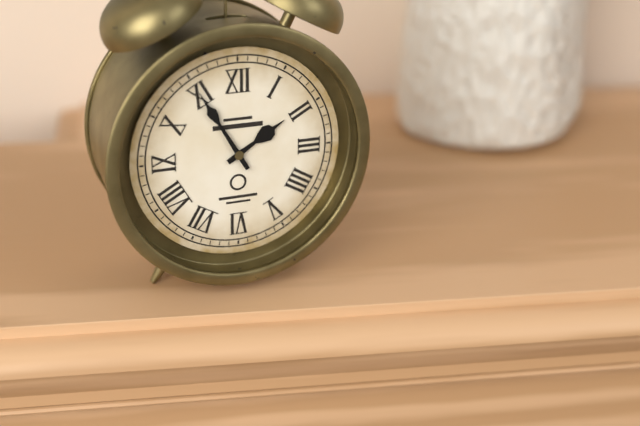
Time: {"hour": 1, "minute": 55}
